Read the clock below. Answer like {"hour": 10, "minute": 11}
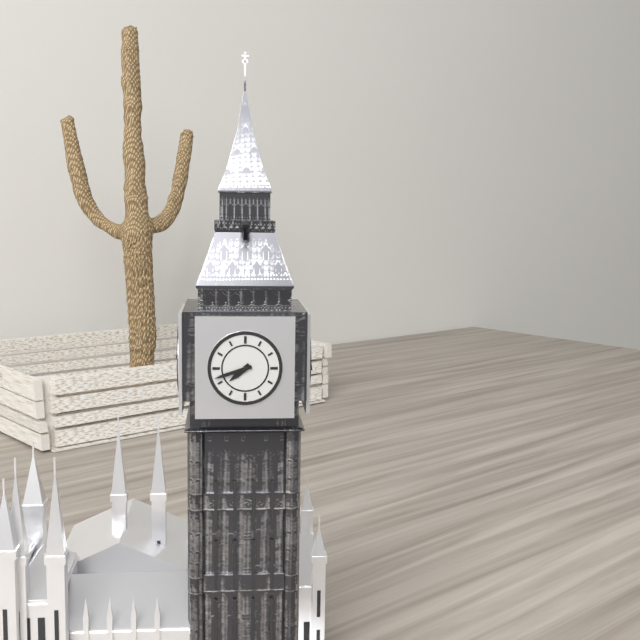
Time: {"hour": 7, "minute": 42}
